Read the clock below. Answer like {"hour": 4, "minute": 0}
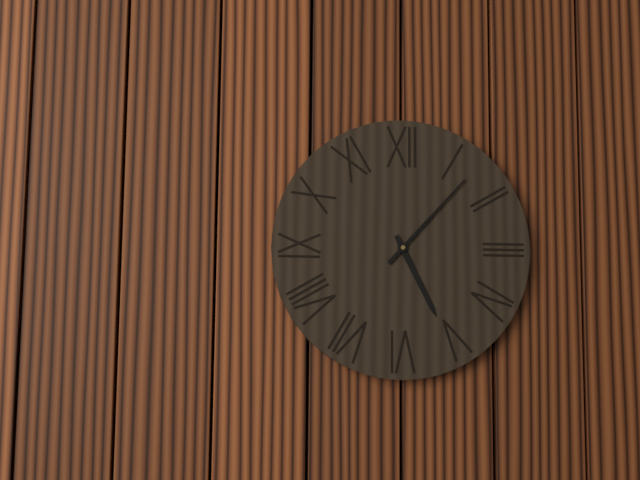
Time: {"hour": 5, "minute": 7}
